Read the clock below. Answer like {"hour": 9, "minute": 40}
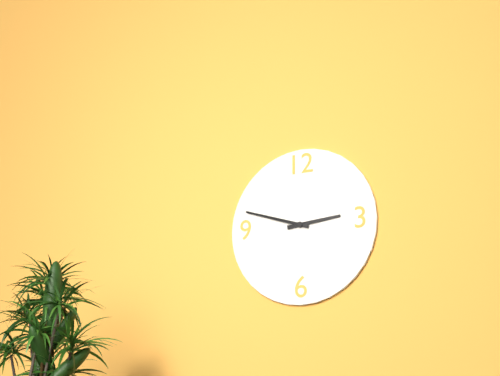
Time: {"hour": 2, "minute": 48}
